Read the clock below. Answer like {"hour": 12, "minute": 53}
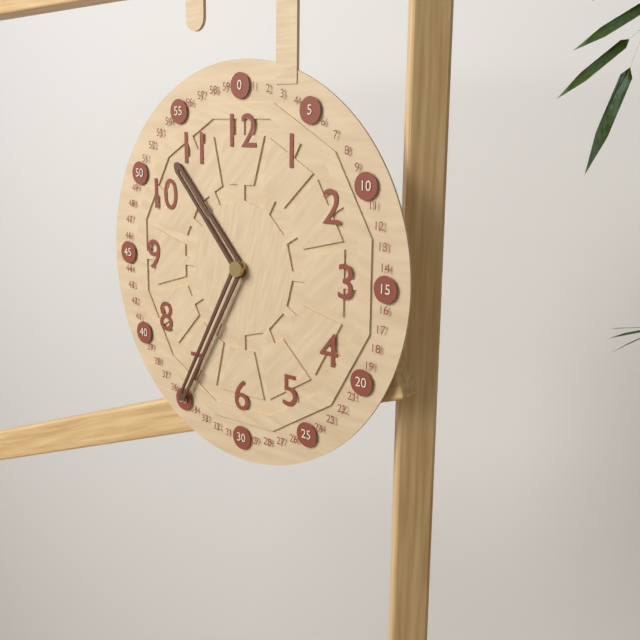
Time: {"hour": 10, "minute": 35}
